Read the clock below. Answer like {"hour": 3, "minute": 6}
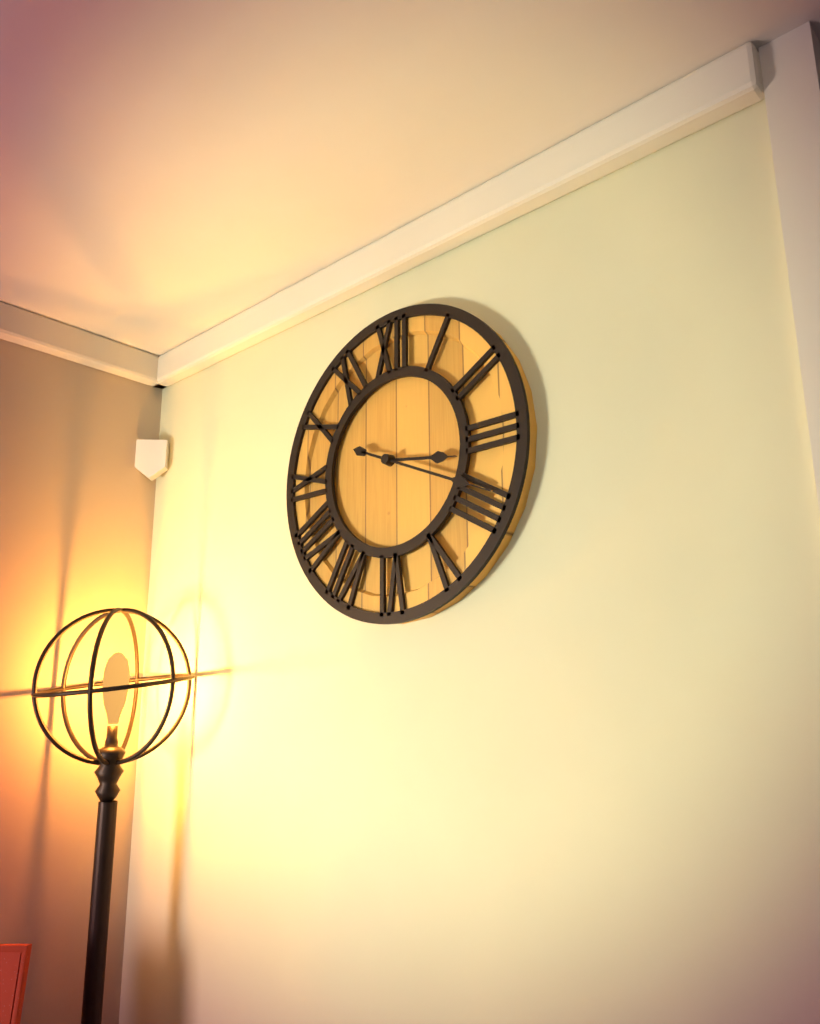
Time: {"hour": 3, "minute": 19}
